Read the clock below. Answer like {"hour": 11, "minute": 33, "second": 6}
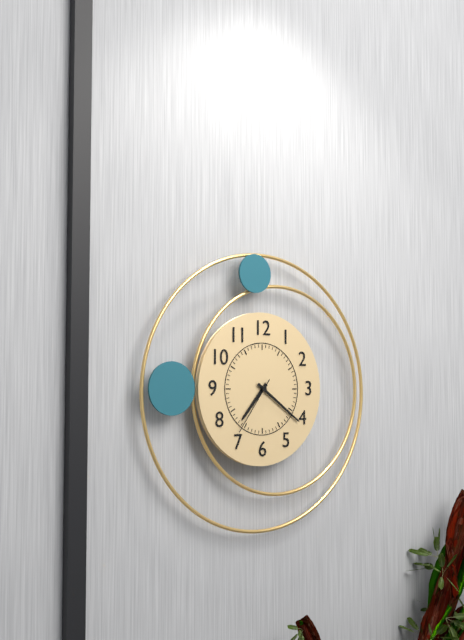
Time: {"hour": 7, "minute": 21, "second": 36}
